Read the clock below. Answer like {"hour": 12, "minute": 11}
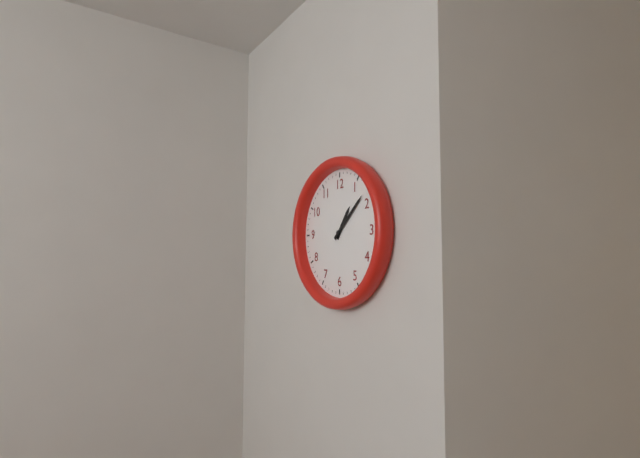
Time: {"hour": 1, "minute": 8}
